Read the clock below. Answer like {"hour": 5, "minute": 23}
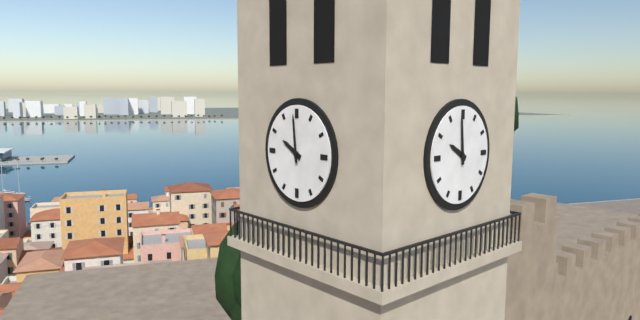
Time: {"hour": 9, "minute": 59}
